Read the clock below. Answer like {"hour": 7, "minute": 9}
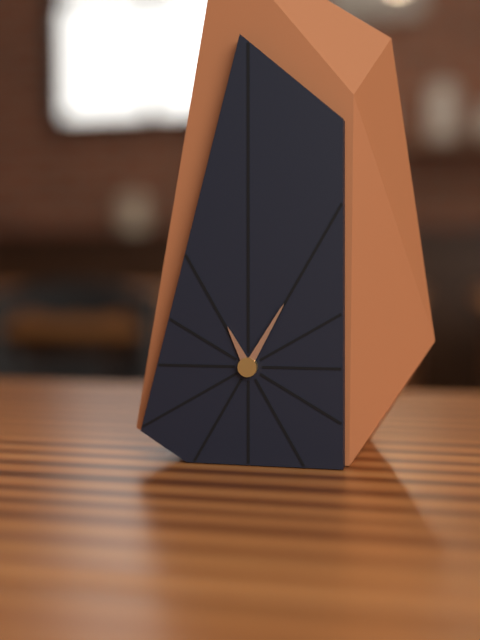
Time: {"hour": 11, "minute": 5}
